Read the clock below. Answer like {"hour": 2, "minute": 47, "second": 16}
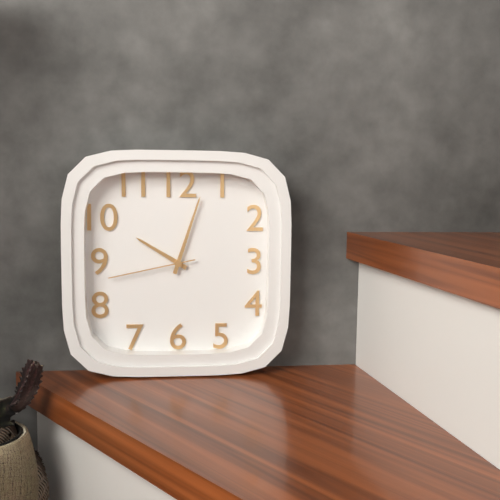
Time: {"hour": 10, "minute": 3, "second": 43}
